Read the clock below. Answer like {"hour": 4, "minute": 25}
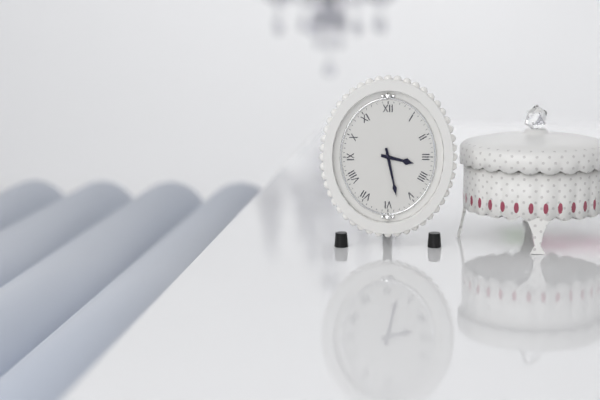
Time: {"hour": 3, "minute": 28}
